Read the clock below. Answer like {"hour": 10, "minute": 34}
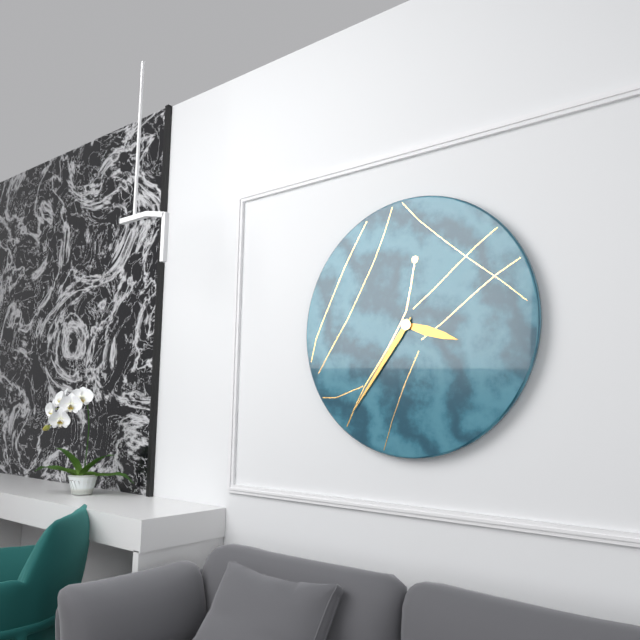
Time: {"hour": 3, "minute": 36}
